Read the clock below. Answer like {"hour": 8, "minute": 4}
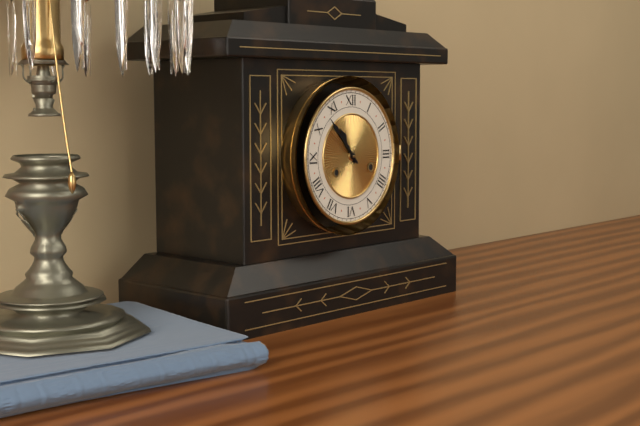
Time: {"hour": 10, "minute": 53}
